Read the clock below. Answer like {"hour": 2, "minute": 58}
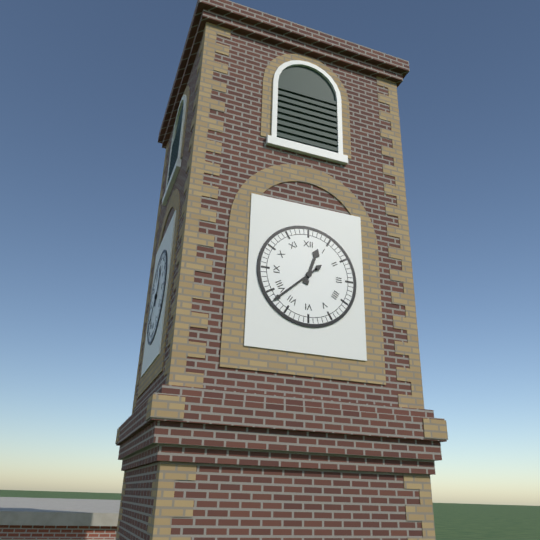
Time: {"hour": 12, "minute": 38}
